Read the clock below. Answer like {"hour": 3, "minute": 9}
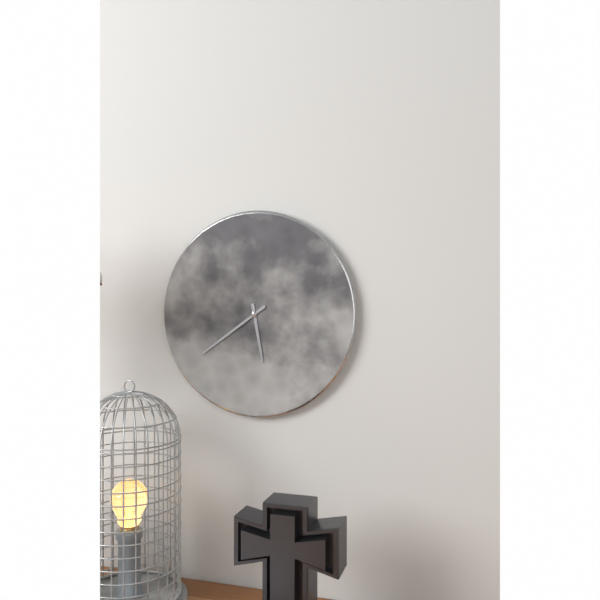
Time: {"hour": 5, "minute": 39}
